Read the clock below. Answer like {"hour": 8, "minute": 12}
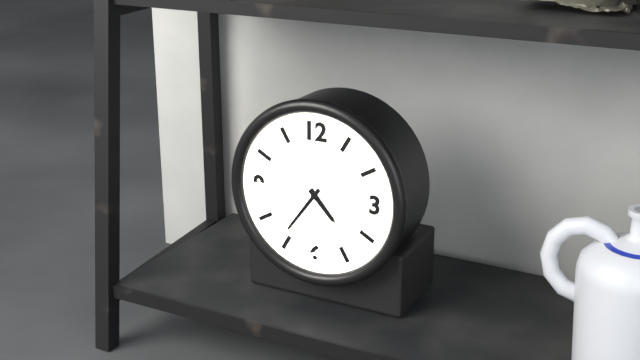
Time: {"hour": 4, "minute": 36}
